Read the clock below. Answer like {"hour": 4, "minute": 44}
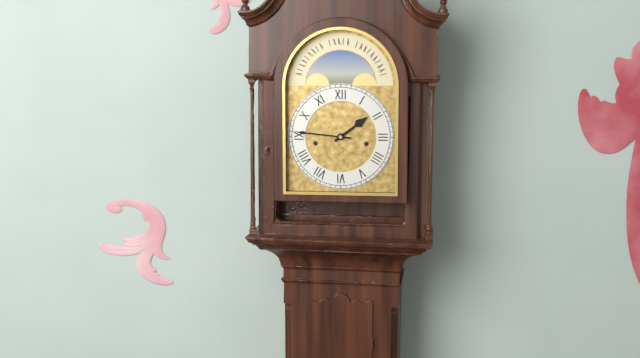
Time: {"hour": 1, "minute": 46}
